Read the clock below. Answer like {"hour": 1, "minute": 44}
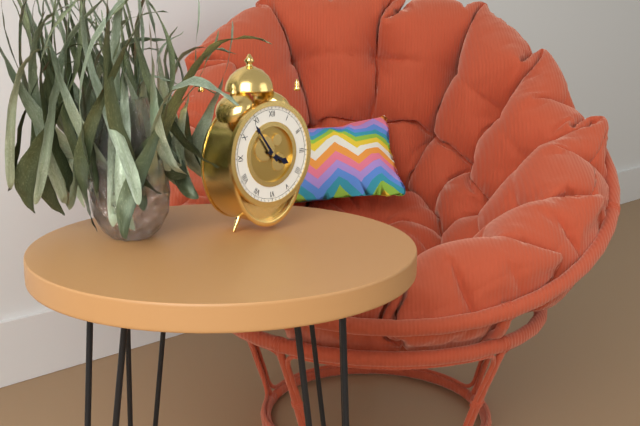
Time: {"hour": 3, "minute": 54}
